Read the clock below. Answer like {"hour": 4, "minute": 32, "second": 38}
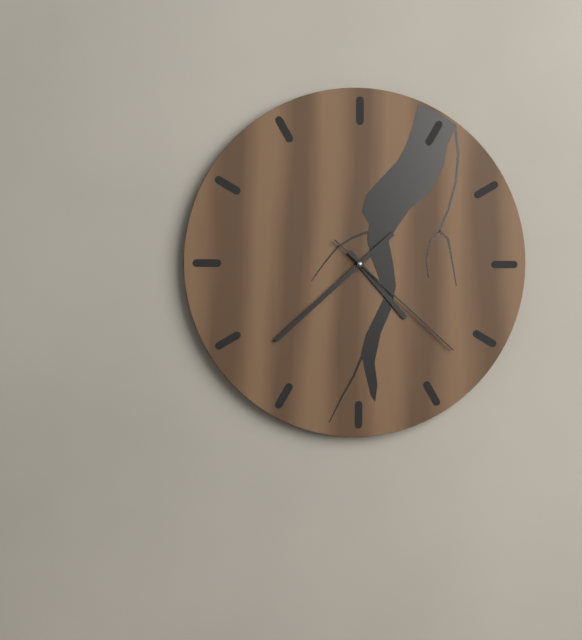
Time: {"hour": 4, "minute": 38, "second": 22}
